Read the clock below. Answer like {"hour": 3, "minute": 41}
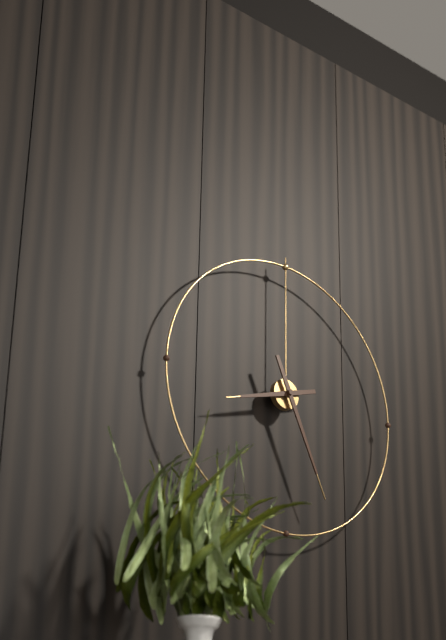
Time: {"hour": 8, "minute": 26}
